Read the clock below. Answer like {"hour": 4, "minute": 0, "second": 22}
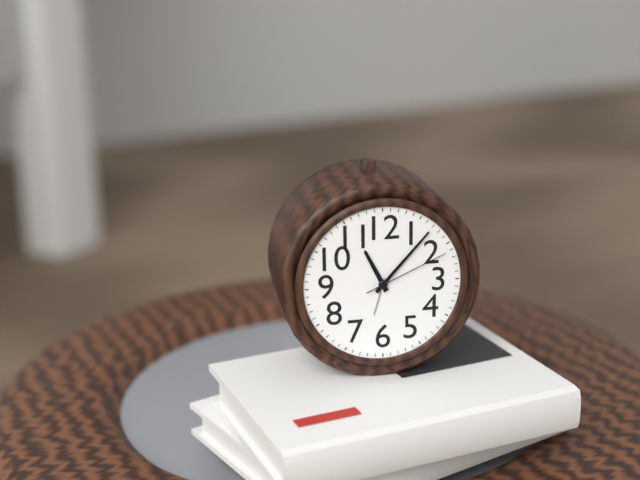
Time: {"hour": 11, "minute": 7, "second": 11}
